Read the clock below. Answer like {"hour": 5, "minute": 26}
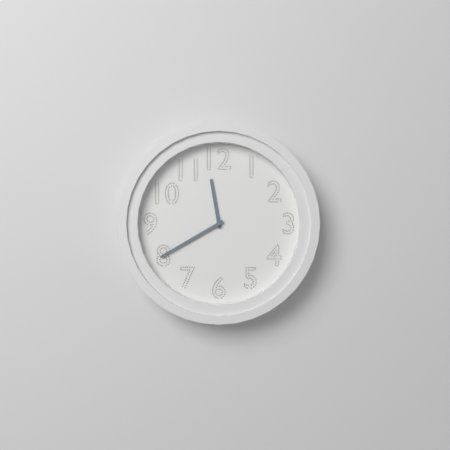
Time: {"hour": 11, "minute": 40}
